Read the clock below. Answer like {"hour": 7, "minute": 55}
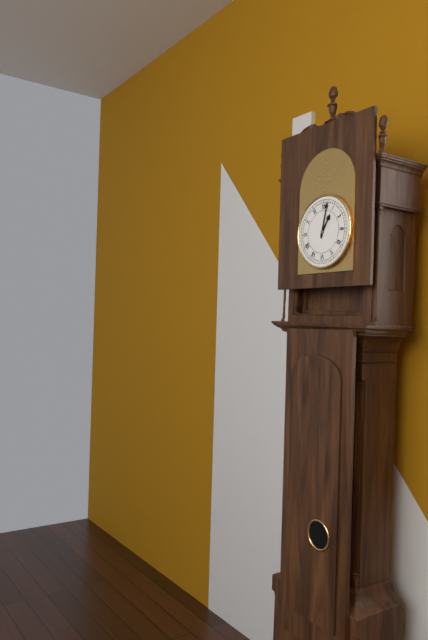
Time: {"hour": 1, "minute": 2}
